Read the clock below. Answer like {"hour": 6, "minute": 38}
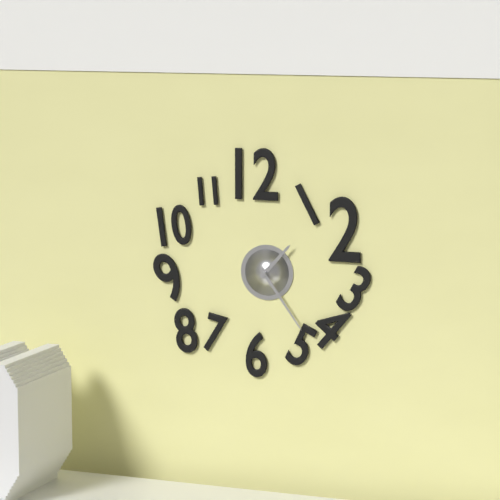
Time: {"hour": 1, "minute": 24}
